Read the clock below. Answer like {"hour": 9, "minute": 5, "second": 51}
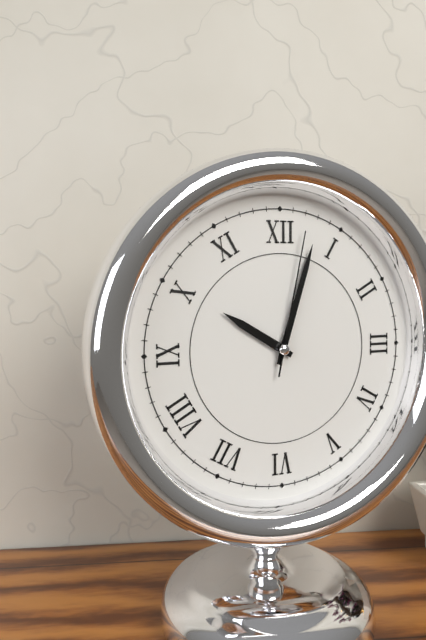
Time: {"hour": 10, "minute": 3, "second": 2}
